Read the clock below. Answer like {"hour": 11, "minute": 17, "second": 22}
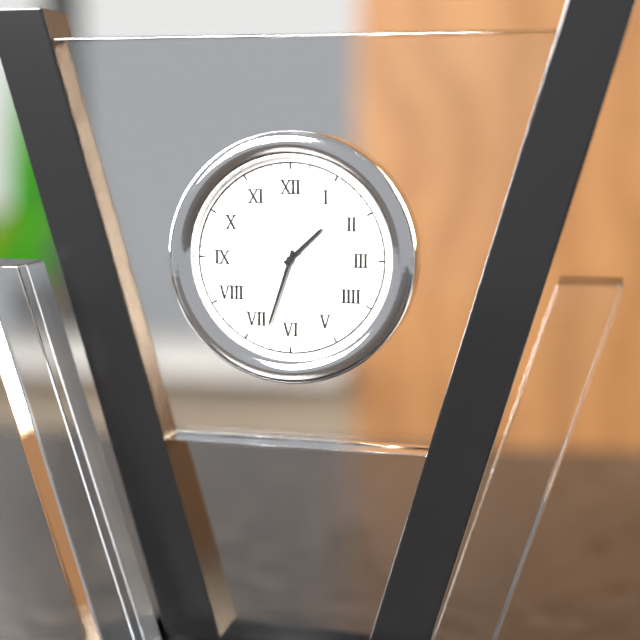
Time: {"hour": 1, "minute": 33, "second": 41}
